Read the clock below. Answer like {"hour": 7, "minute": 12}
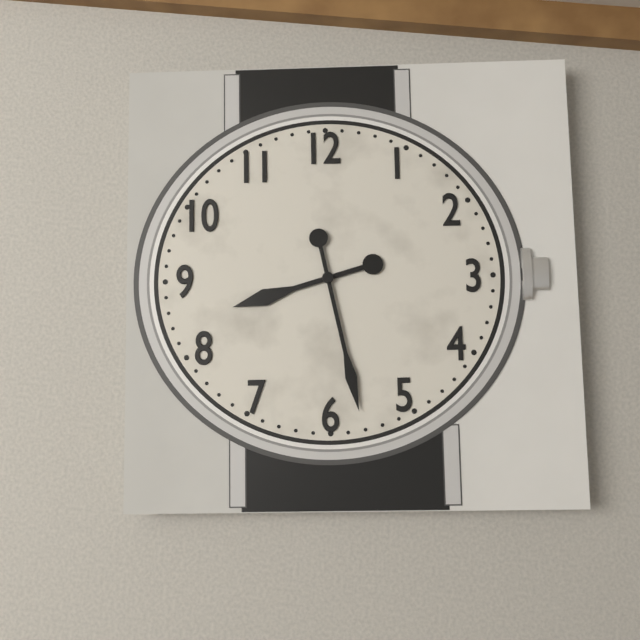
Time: {"hour": 8, "minute": 28}
